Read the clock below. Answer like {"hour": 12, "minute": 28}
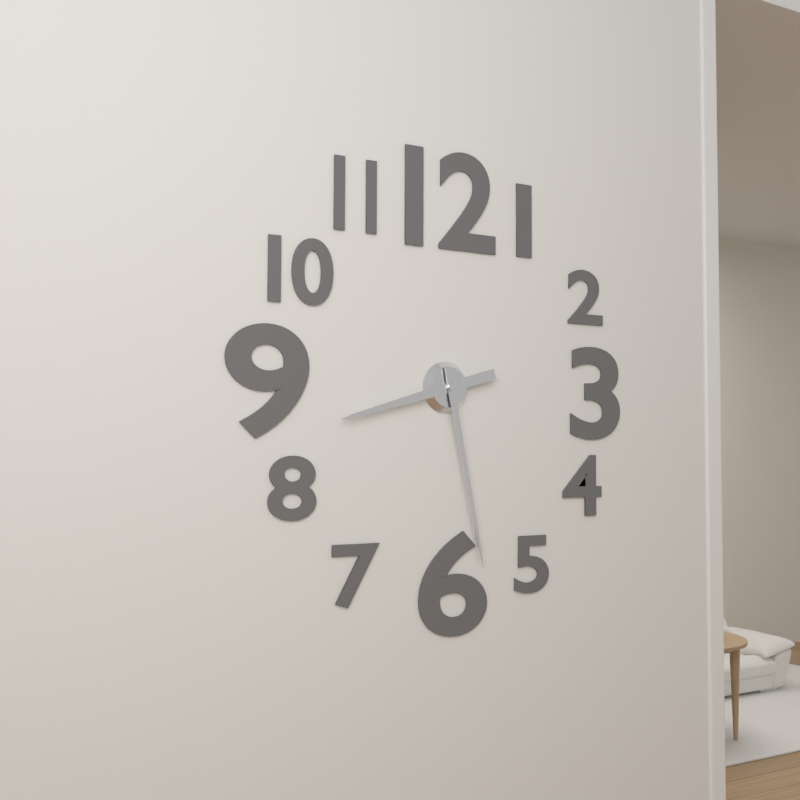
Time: {"hour": 8, "minute": 28}
